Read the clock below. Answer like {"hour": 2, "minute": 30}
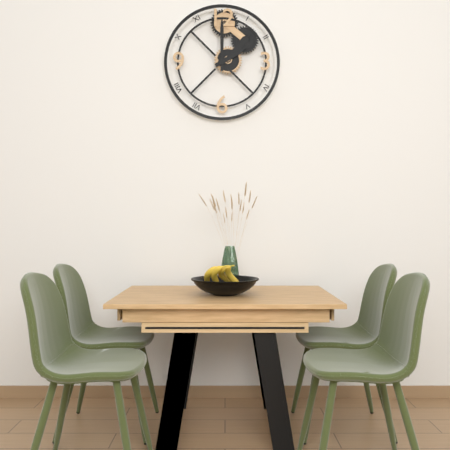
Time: {"hour": 2, "minute": 0}
